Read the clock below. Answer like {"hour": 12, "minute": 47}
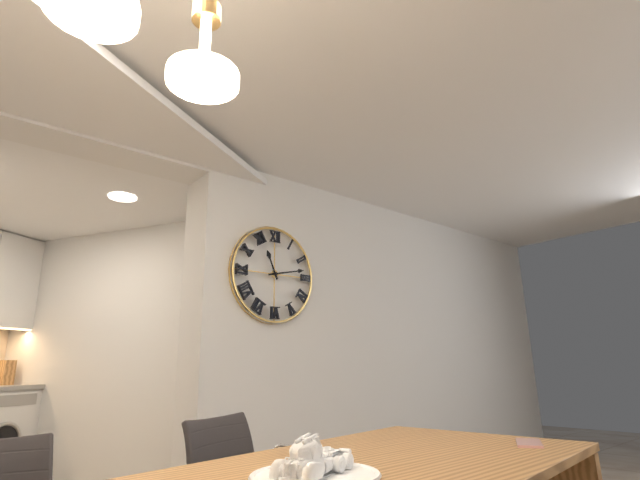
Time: {"hour": 11, "minute": 13}
